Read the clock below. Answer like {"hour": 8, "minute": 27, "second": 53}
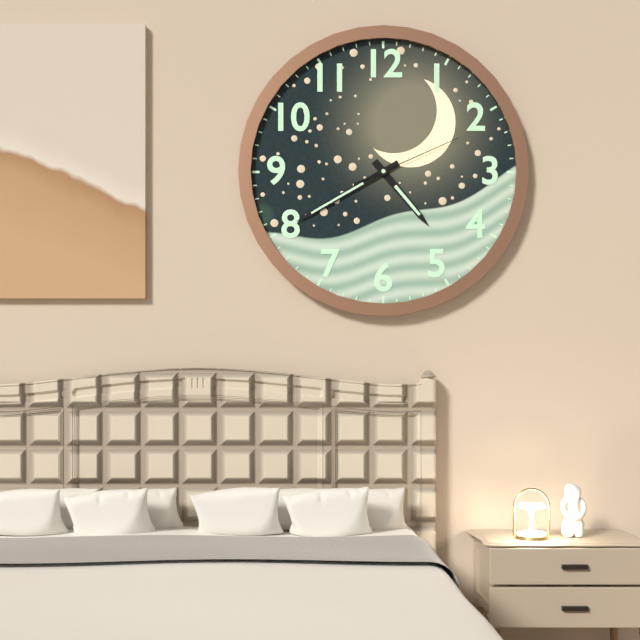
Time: {"hour": 4, "minute": 40, "second": 11}
